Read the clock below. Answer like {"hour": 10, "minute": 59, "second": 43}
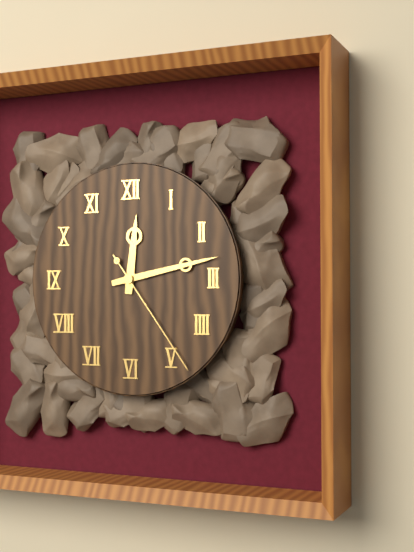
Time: {"hour": 12, "minute": 13, "second": 24}
